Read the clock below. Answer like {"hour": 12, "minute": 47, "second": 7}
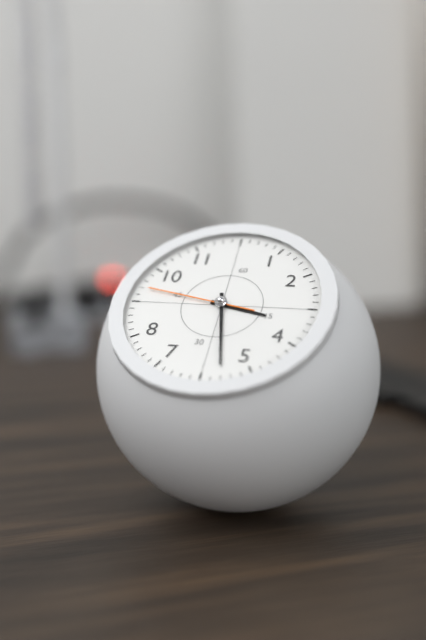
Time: {"hour": 3, "minute": 28, "second": 47}
